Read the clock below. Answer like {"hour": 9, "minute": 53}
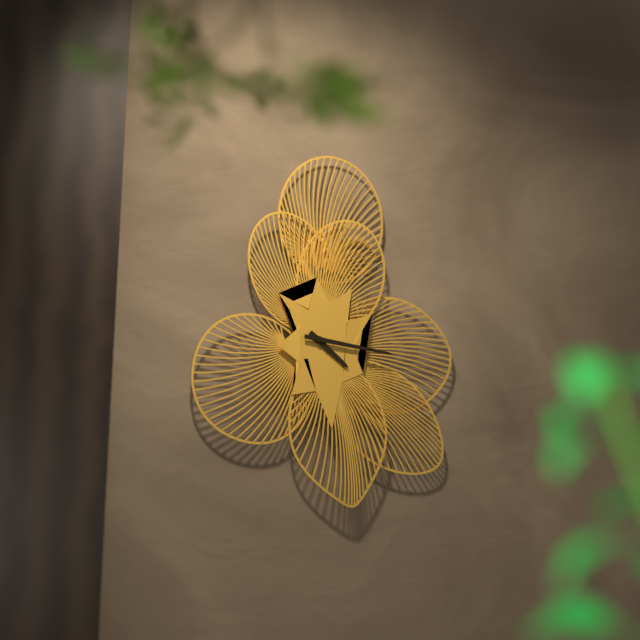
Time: {"hour": 4, "minute": 16}
